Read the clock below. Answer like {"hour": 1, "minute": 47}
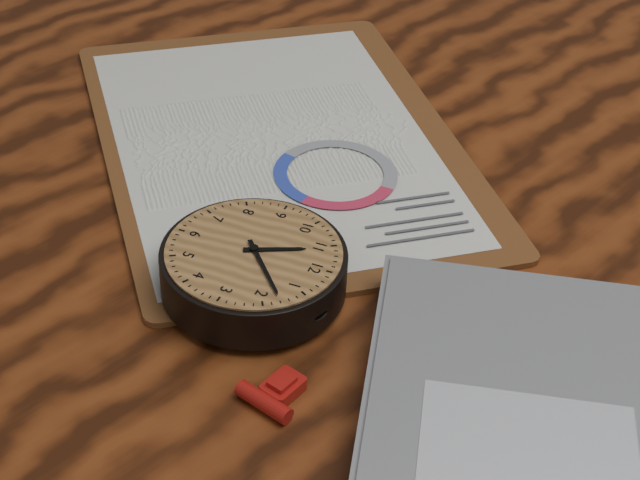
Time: {"hour": 11, "minute": 8}
